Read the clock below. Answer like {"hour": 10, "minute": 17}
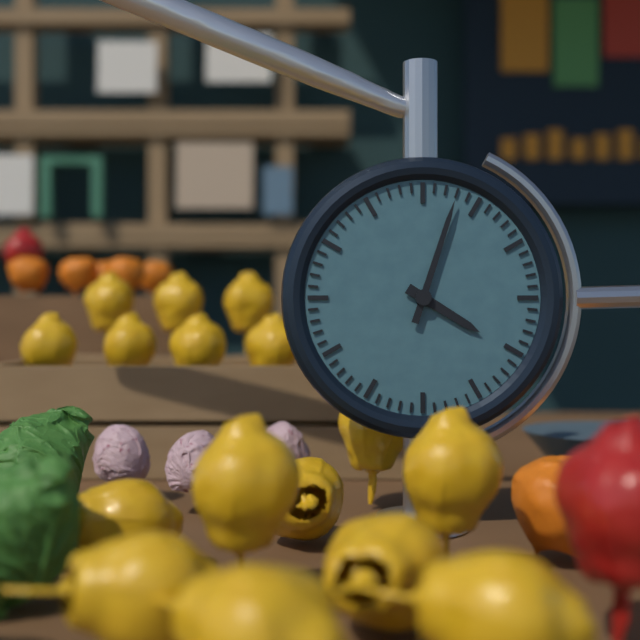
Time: {"hour": 4, "minute": 3}
